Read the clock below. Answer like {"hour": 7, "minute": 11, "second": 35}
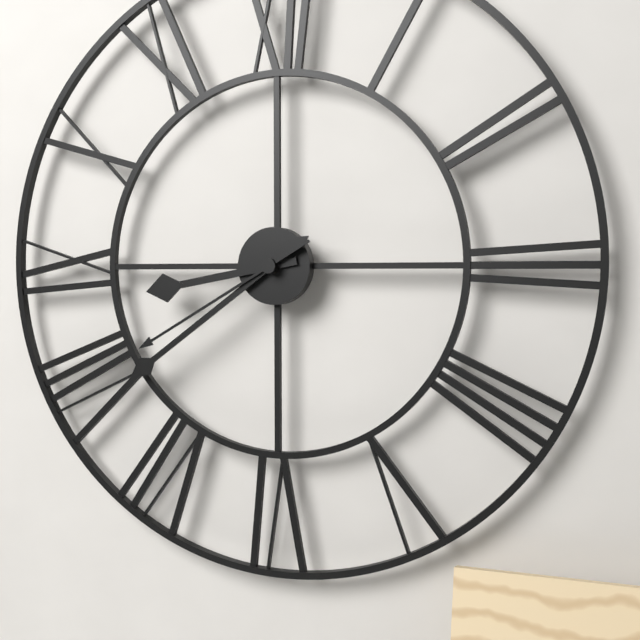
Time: {"hour": 8, "minute": 39, "second": 40}
